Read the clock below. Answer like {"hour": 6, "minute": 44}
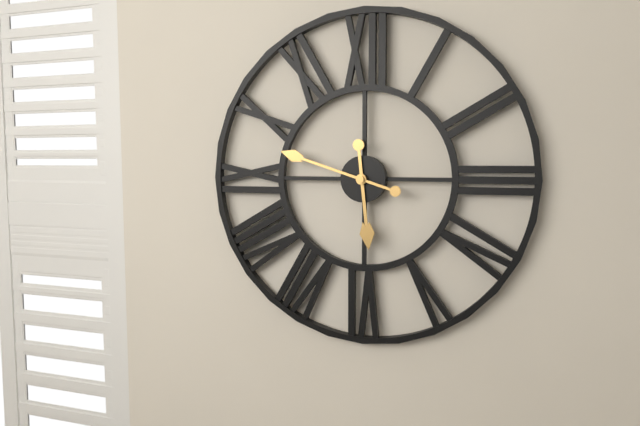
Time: {"hour": 5, "minute": 48}
